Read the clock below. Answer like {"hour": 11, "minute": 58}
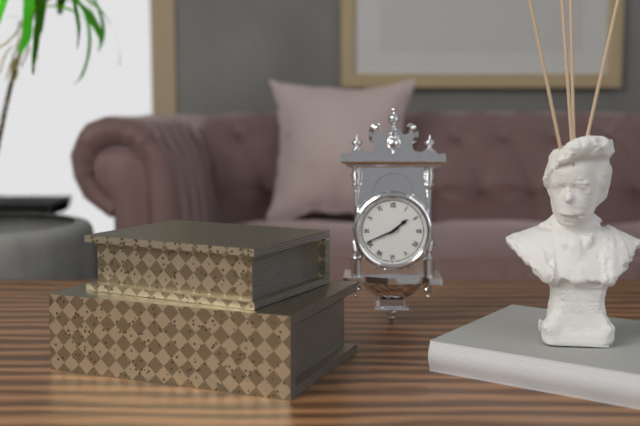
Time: {"hour": 1, "minute": 41}
